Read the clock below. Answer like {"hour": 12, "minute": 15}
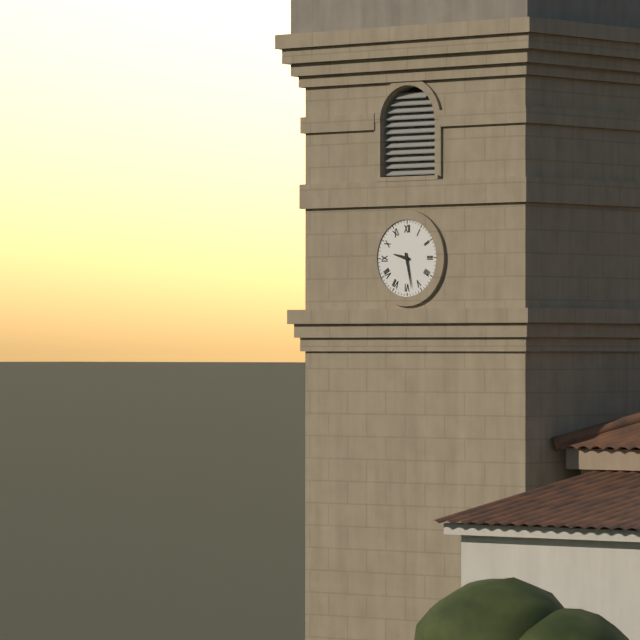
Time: {"hour": 9, "minute": 28}
